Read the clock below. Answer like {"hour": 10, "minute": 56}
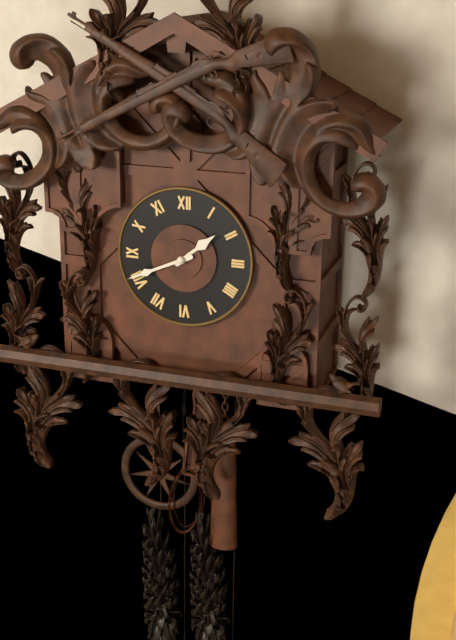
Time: {"hour": 1, "minute": 41}
